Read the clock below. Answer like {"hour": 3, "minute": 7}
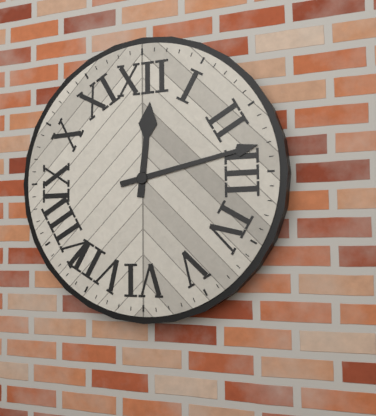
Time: {"hour": 12, "minute": 13}
